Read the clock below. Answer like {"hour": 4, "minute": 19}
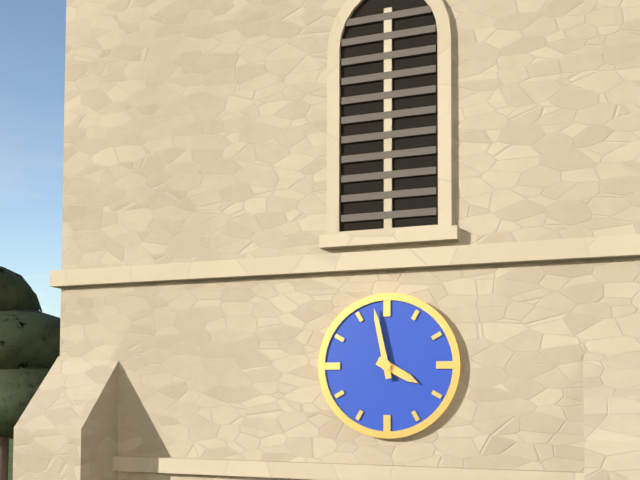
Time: {"hour": 3, "minute": 58}
